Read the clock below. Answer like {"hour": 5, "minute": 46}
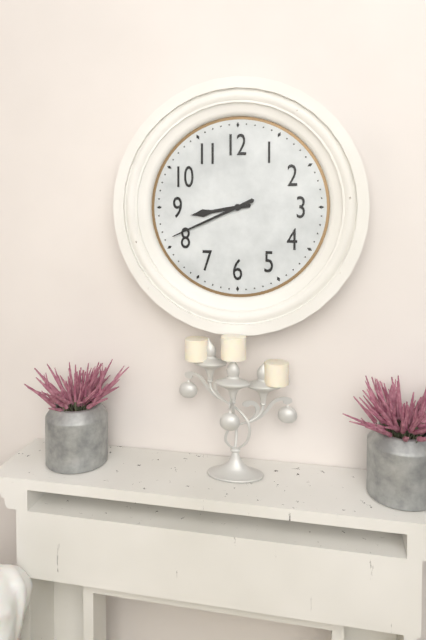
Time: {"hour": 8, "minute": 41}
